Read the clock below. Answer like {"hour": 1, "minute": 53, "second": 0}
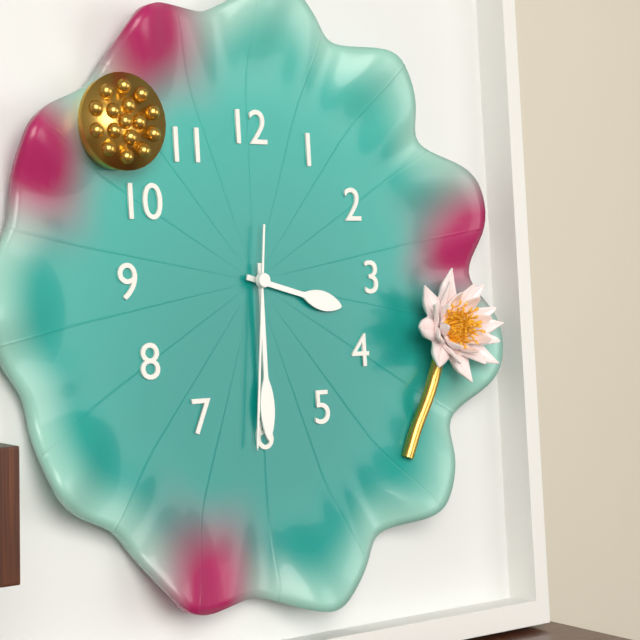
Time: {"hour": 3, "minute": 30, "second": 31}
